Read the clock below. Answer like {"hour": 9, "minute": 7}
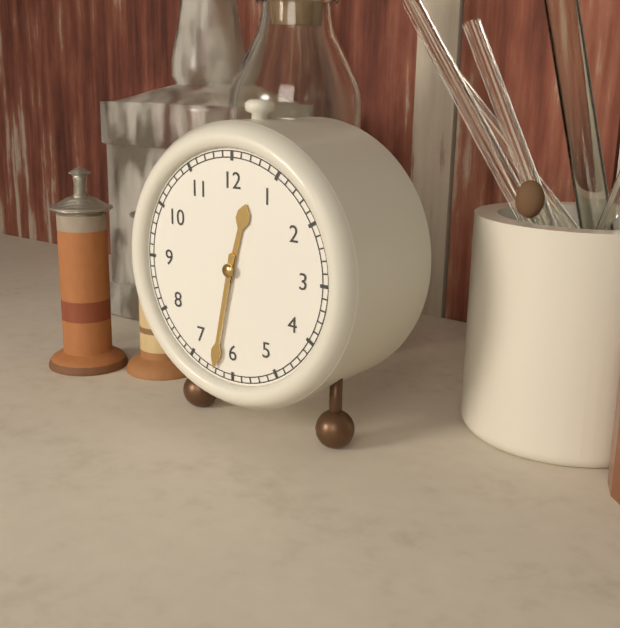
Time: {"hour": 12, "minute": 32}
